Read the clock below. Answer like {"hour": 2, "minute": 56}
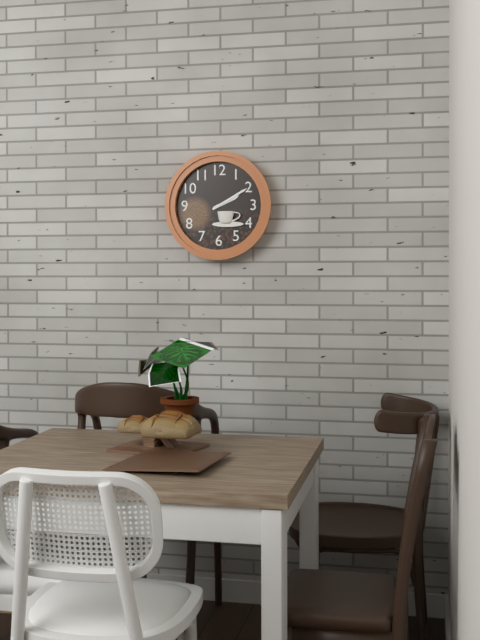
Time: {"hour": 2, "minute": 10}
